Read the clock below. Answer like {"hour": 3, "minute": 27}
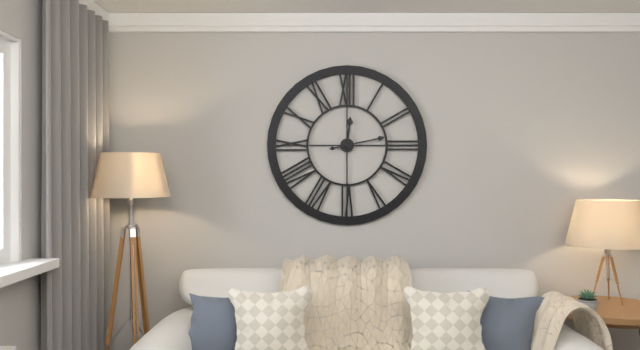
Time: {"hour": 12, "minute": 13}
